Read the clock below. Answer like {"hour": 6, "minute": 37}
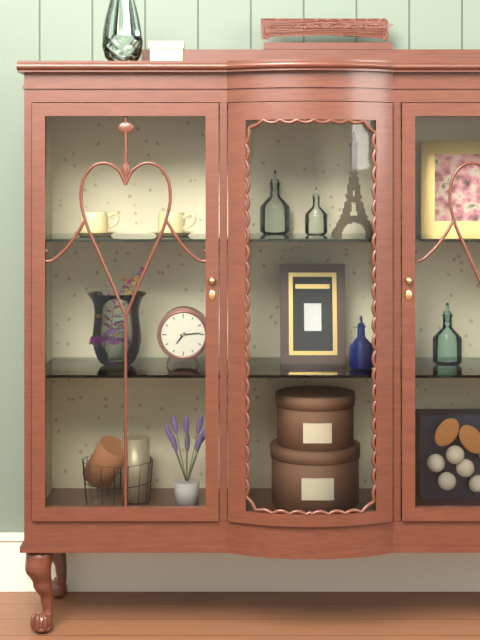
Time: {"hour": 7, "minute": 14}
